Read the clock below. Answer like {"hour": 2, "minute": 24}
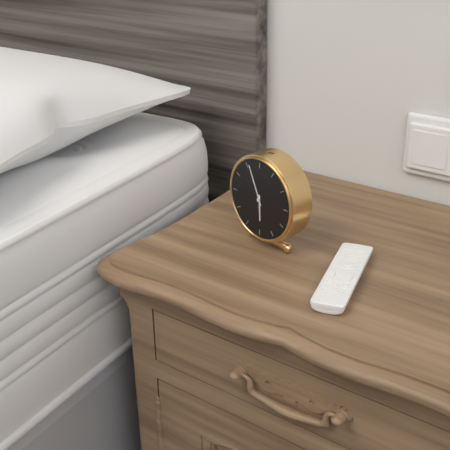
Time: {"hour": 5, "minute": 56}
